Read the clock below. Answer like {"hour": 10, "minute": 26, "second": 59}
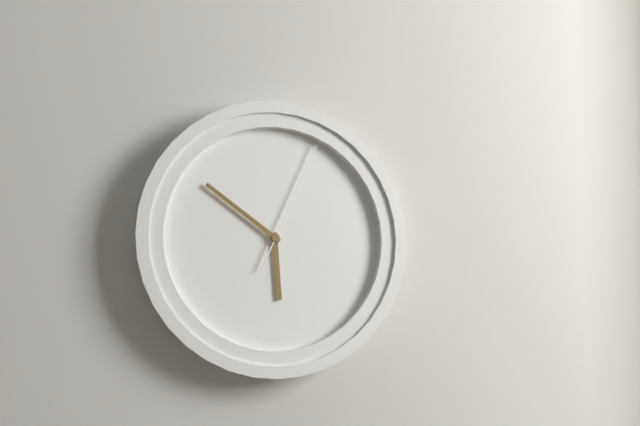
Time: {"hour": 5, "minute": 51, "second": 4}
